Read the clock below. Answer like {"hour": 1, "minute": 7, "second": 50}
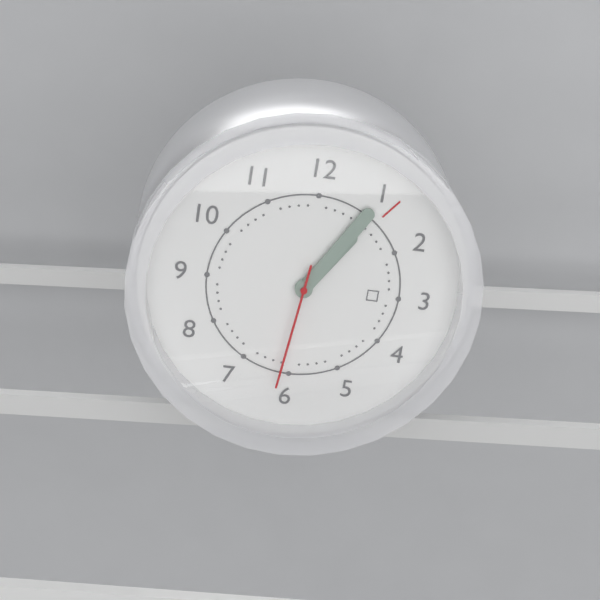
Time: {"hour": 1, "minute": 5, "second": 31}
